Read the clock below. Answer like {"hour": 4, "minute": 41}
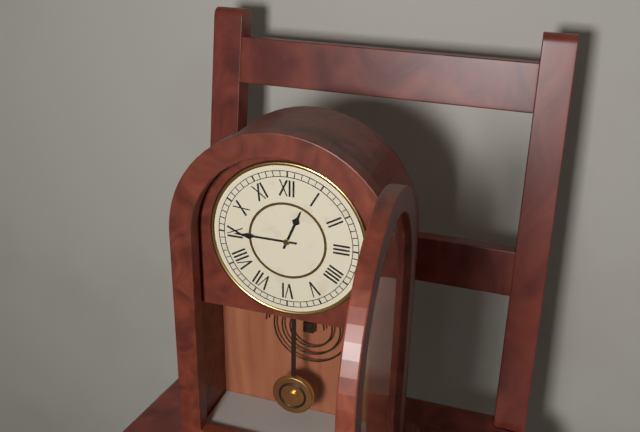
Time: {"hour": 12, "minute": 45}
